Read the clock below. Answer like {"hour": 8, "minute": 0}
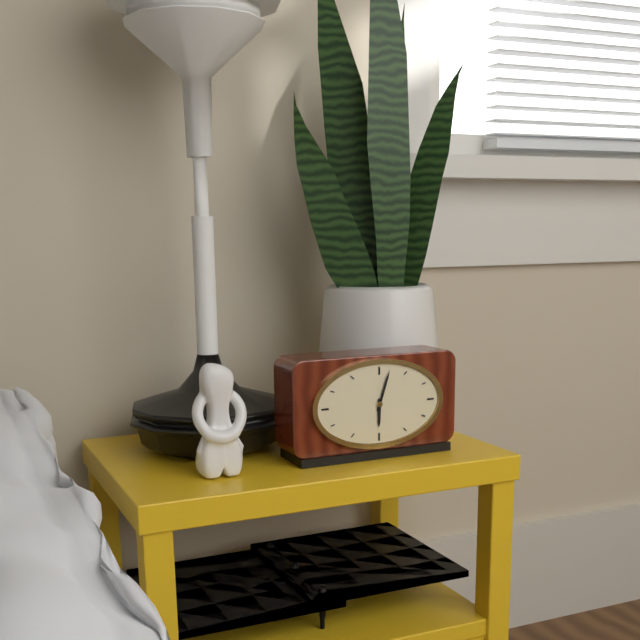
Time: {"hour": 6, "minute": 3}
